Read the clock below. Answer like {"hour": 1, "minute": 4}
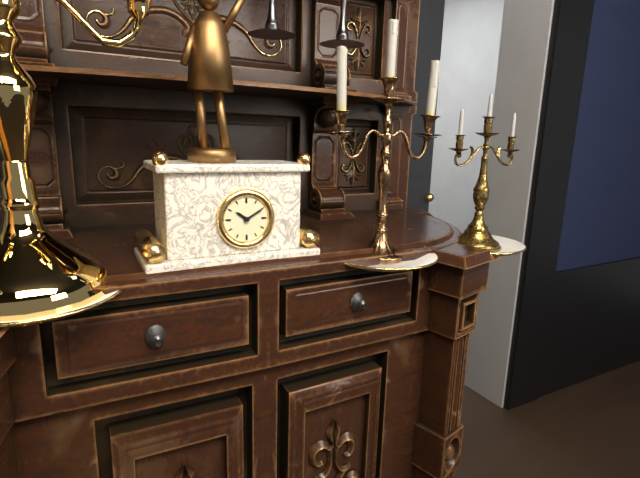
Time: {"hour": 10, "minute": 10}
